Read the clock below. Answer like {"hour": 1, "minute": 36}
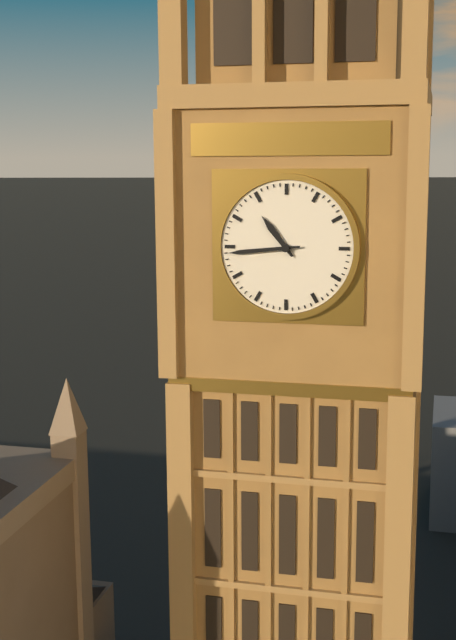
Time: {"hour": 10, "minute": 44}
